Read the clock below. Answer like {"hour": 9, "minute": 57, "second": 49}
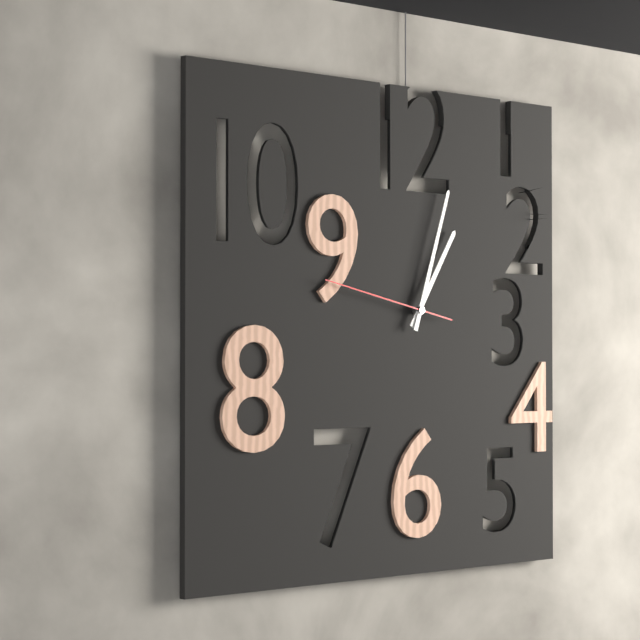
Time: {"hour": 1, "minute": 3, "second": 47}
